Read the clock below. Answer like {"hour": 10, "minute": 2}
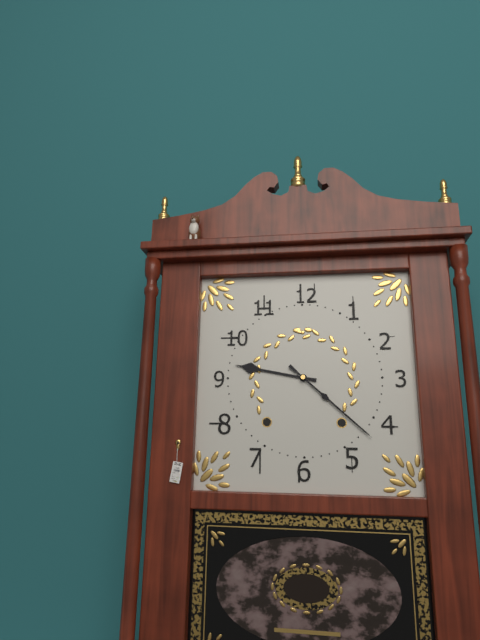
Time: {"hour": 9, "minute": 22}
